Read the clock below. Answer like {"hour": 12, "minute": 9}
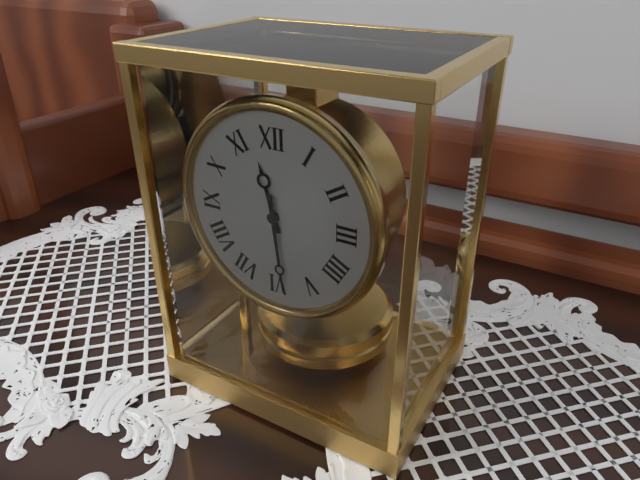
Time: {"hour": 11, "minute": 29}
